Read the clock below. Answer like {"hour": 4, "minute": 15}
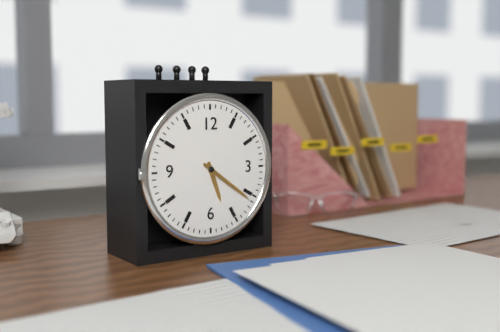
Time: {"hour": 5, "minute": 21}
